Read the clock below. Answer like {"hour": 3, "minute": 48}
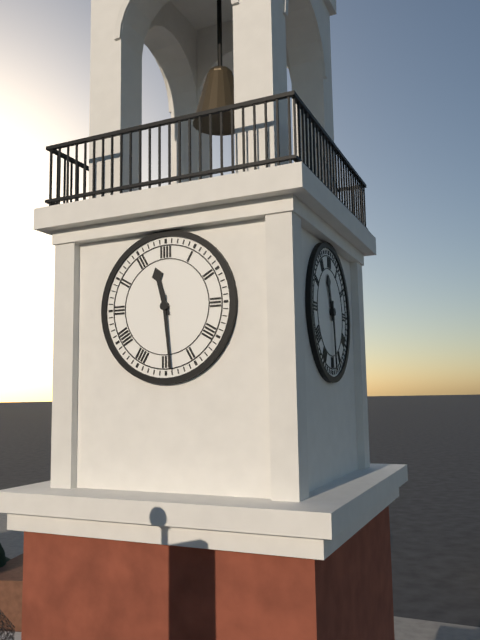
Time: {"hour": 11, "minute": 29}
